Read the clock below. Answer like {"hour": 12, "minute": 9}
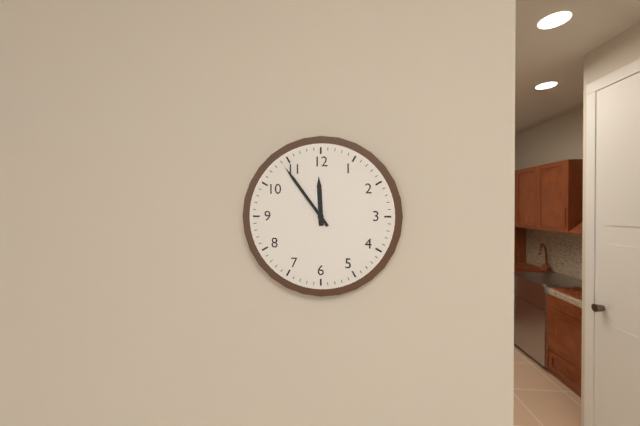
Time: {"hour": 11, "minute": 54}
